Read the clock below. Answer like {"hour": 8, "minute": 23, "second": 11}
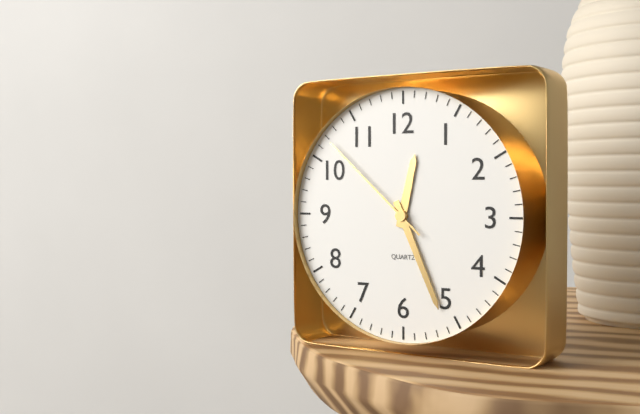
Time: {"hour": 12, "minute": 26, "second": 52}
